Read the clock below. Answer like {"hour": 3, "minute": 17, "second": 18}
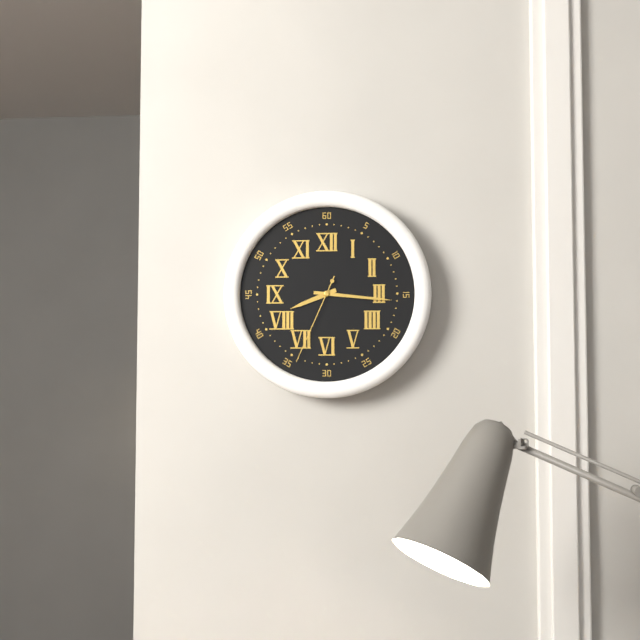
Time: {"hour": 8, "minute": 16, "second": 34}
